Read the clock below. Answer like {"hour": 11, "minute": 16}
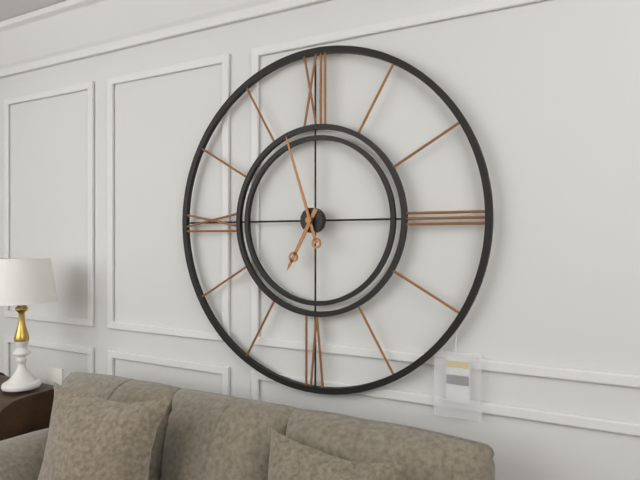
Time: {"hour": 6, "minute": 57}
